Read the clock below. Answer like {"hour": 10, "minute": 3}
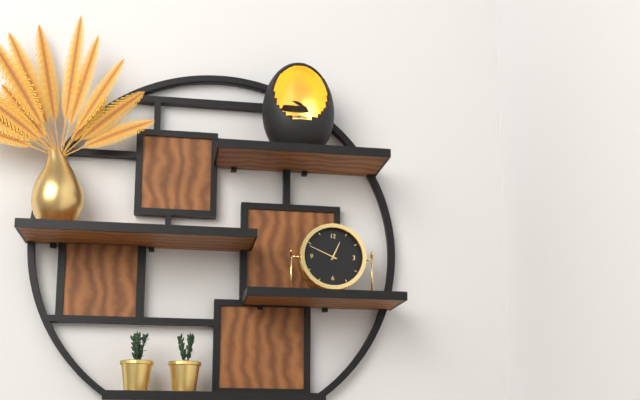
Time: {"hour": 12, "minute": 49}
